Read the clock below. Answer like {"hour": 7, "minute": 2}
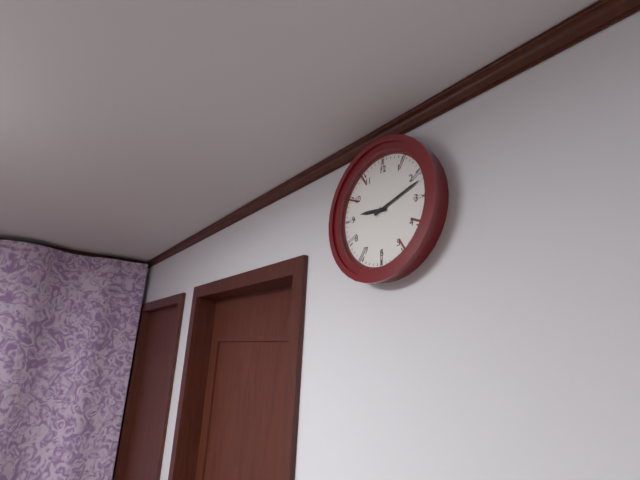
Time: {"hour": 9, "minute": 12}
